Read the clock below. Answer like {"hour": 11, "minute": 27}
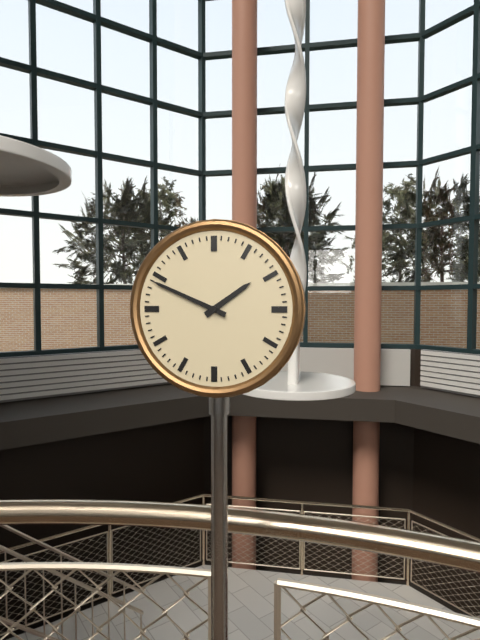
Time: {"hour": 1, "minute": 49}
